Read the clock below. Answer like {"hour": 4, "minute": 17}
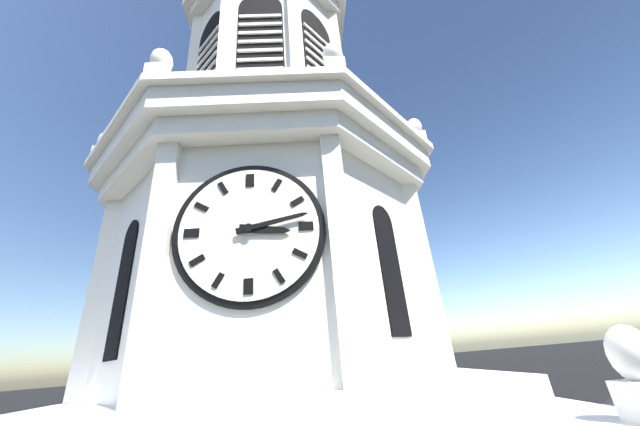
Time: {"hour": 3, "minute": 13}
